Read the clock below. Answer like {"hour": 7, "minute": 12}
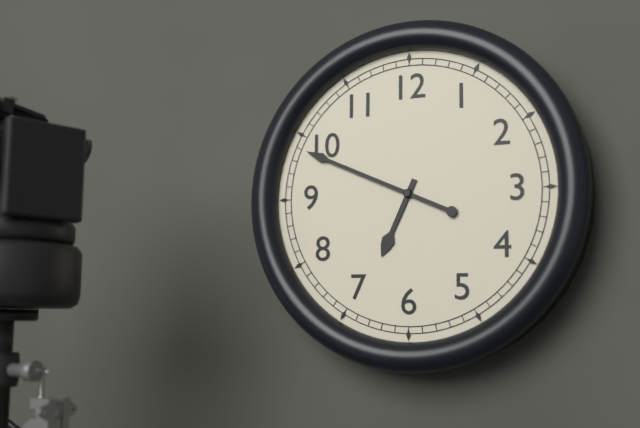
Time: {"hour": 6, "minute": 49}
